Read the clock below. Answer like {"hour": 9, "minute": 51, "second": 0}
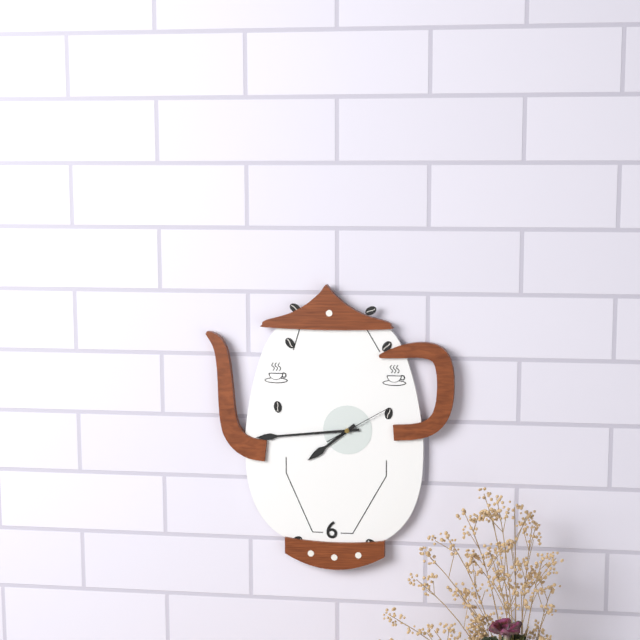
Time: {"hour": 7, "minute": 44, "second": 10}
